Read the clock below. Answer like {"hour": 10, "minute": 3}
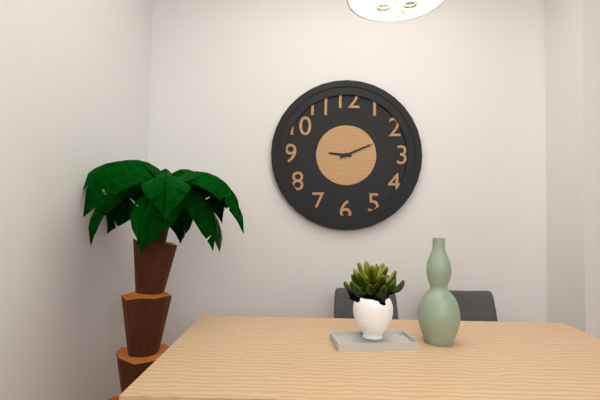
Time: {"hour": 9, "minute": 11}
